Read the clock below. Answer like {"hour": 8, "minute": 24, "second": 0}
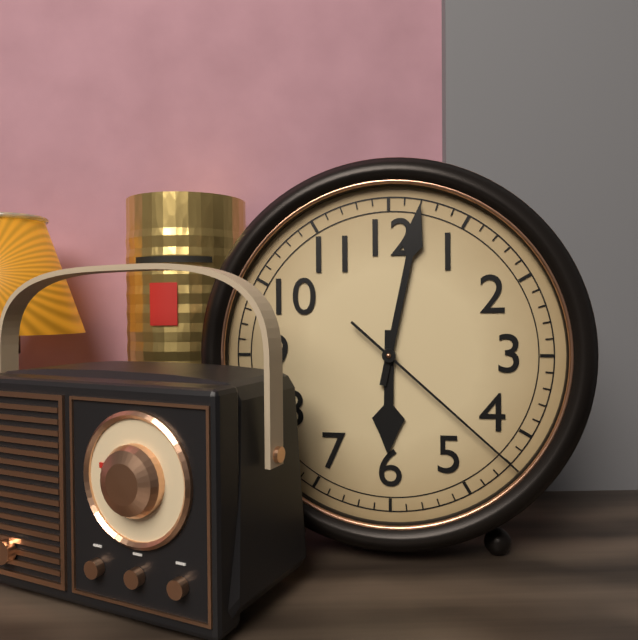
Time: {"hour": 6, "minute": 2, "second": 22}
